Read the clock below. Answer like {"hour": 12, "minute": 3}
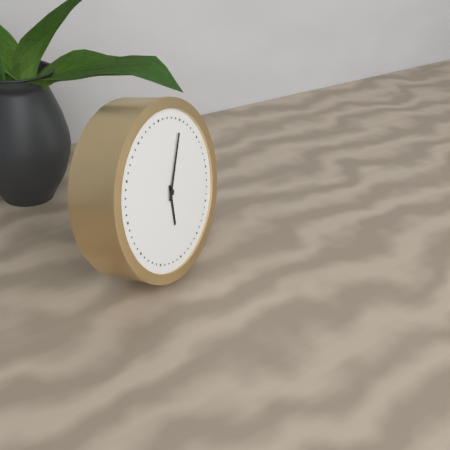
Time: {"hour": 6, "minute": 5}
